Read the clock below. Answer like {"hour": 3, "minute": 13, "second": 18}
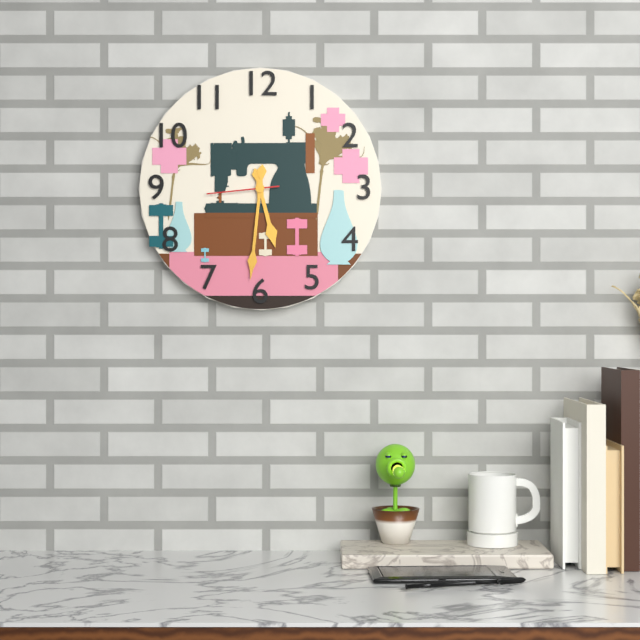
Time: {"hour": 5, "minute": 31, "second": 44}
